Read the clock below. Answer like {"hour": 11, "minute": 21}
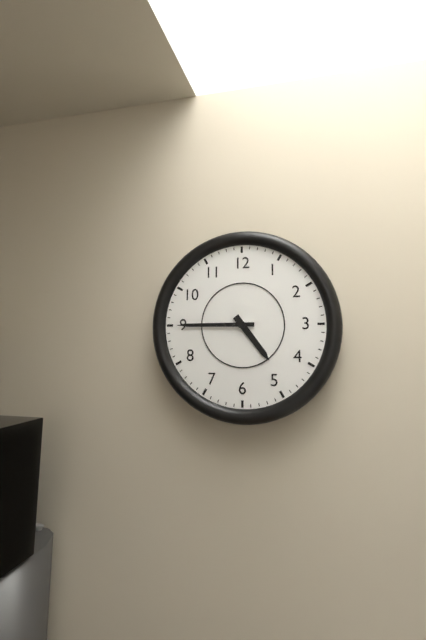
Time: {"hour": 4, "minute": 45}
